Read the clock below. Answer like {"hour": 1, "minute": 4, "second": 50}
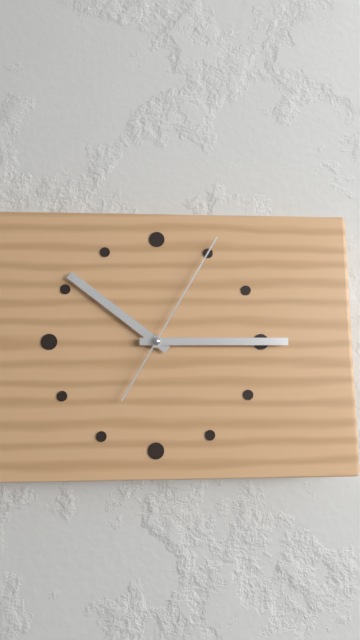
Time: {"hour": 10, "minute": 15, "second": 5}
